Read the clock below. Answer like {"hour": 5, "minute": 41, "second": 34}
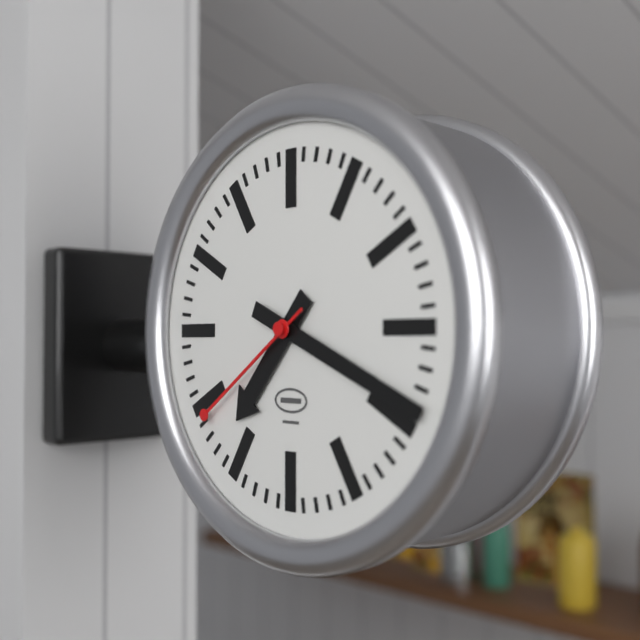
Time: {"hour": 7, "minute": 19, "second": 39}
